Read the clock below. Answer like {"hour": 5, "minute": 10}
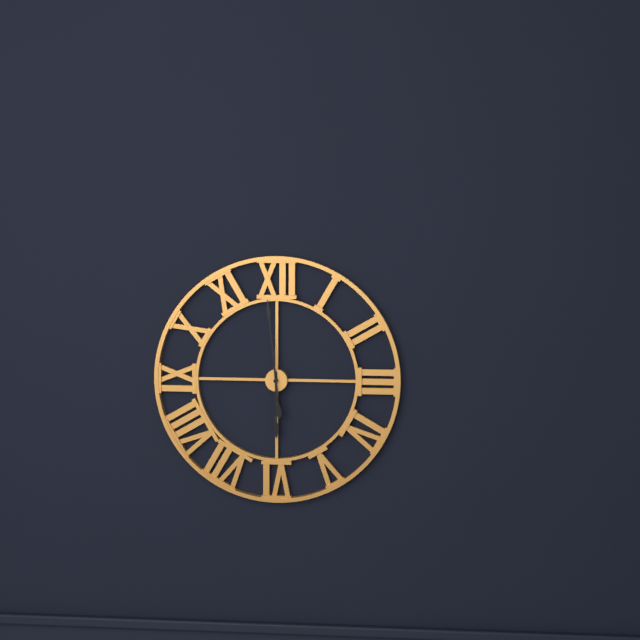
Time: {"hour": 5, "minute": 59}
